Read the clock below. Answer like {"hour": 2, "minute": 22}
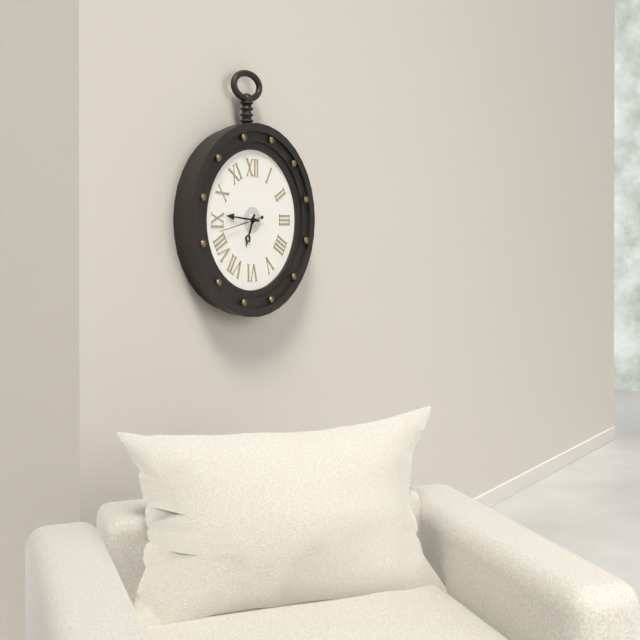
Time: {"hour": 6, "minute": 46}
